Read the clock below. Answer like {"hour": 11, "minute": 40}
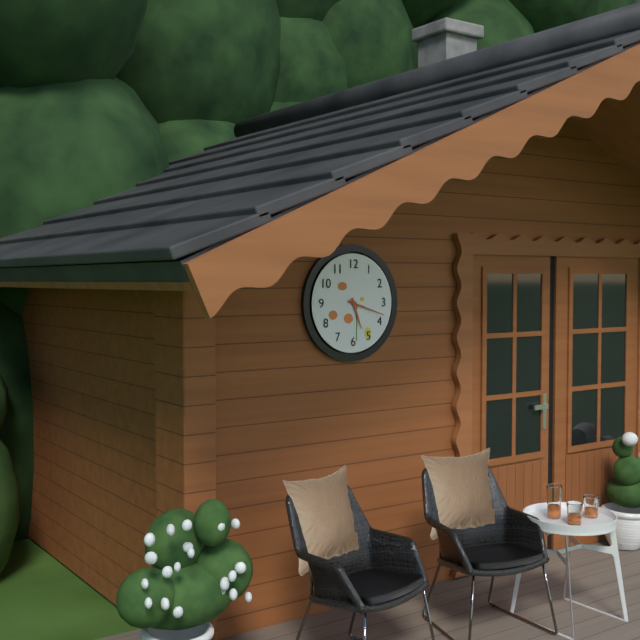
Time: {"hour": 5, "minute": 18}
